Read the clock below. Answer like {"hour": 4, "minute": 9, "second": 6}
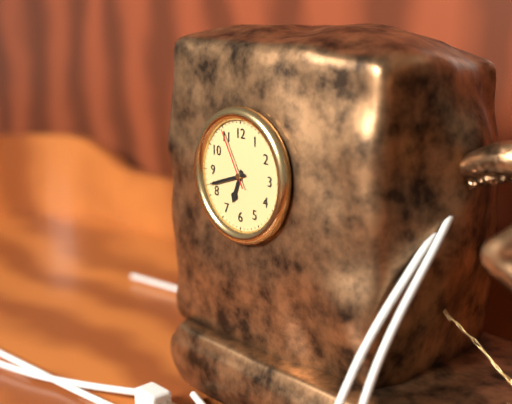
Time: {"hour": 6, "minute": 42, "second": 55}
